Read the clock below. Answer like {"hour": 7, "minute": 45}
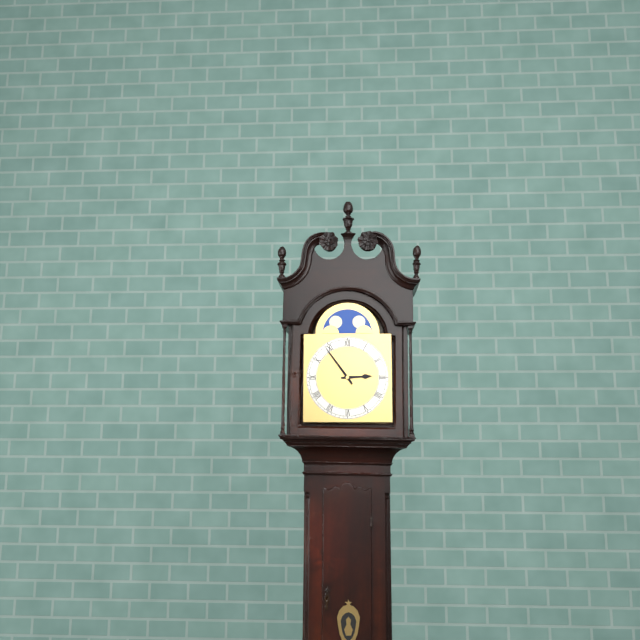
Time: {"hour": 2, "minute": 54}
